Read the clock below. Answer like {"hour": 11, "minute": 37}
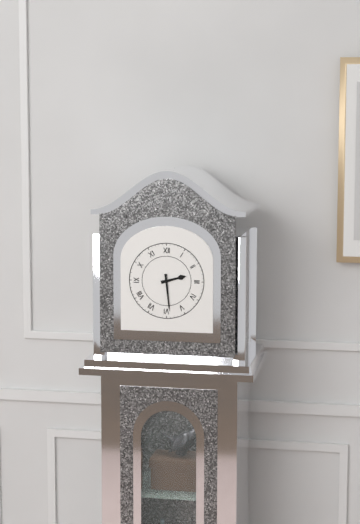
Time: {"hour": 2, "minute": 29}
